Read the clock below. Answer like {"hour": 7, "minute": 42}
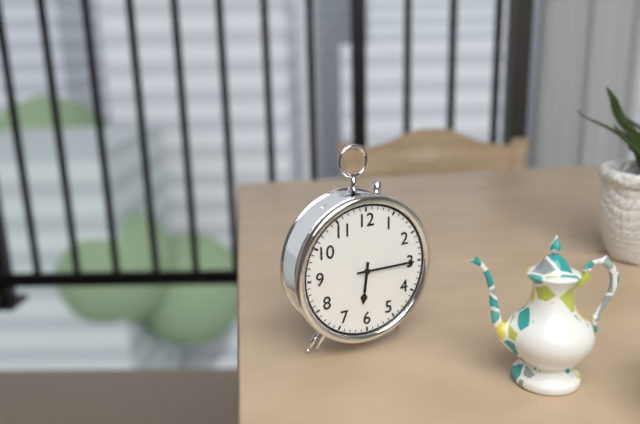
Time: {"hour": 6, "minute": 15}
